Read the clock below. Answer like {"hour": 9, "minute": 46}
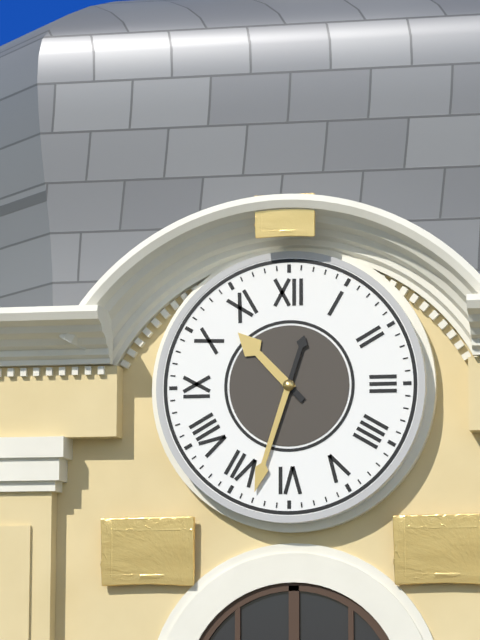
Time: {"hour": 10, "minute": 33}
